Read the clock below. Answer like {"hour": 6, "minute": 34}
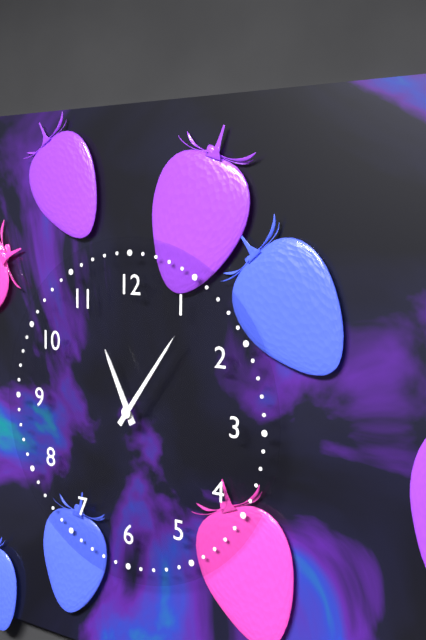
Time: {"hour": 11, "minute": 6}
